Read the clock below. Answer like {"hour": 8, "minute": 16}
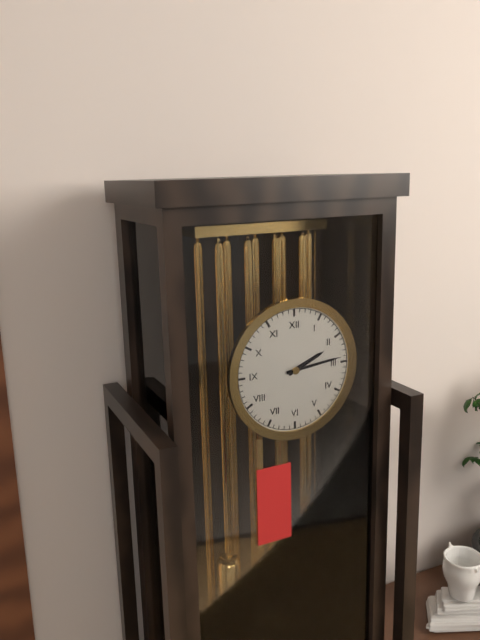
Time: {"hour": 2, "minute": 14}
